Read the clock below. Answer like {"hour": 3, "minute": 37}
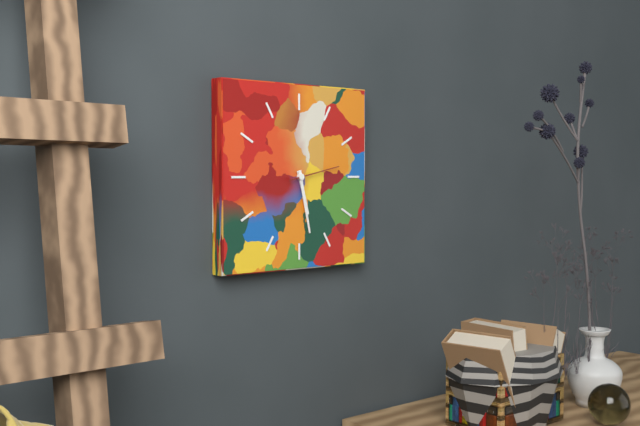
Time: {"hour": 5, "minute": 28}
